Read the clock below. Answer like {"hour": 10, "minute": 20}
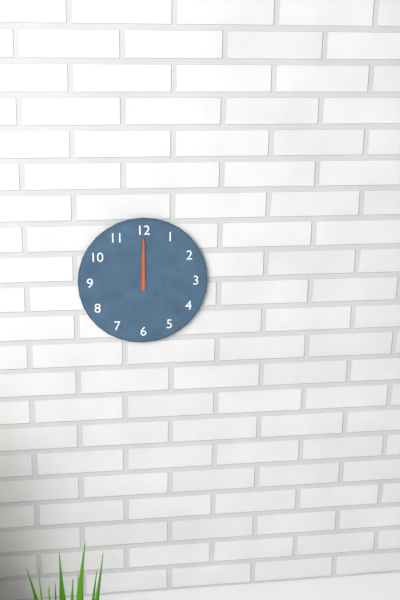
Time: {"hour": 12, "minute": 0}
